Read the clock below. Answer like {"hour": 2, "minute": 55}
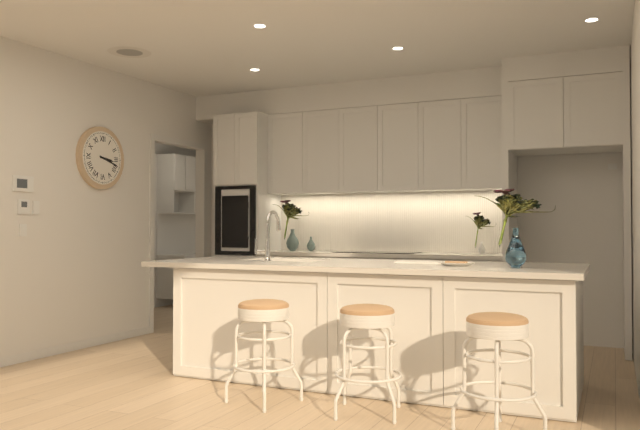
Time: {"hour": 3, "minute": 18}
